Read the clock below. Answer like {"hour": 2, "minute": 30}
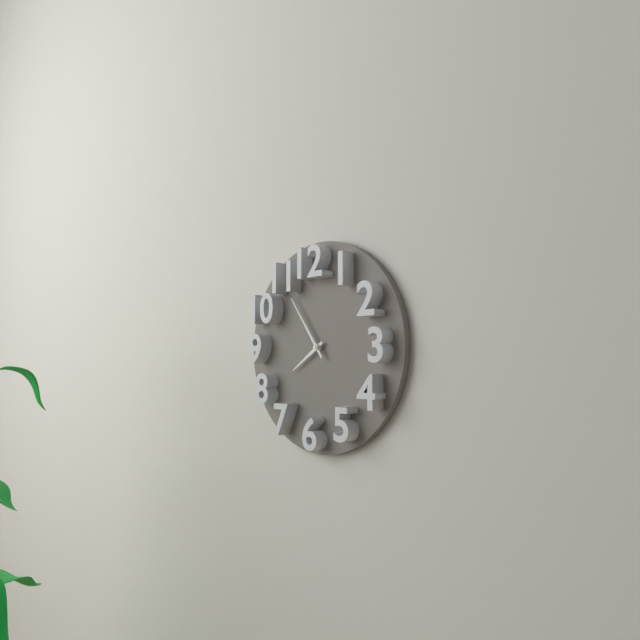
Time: {"hour": 7, "minute": 54}
